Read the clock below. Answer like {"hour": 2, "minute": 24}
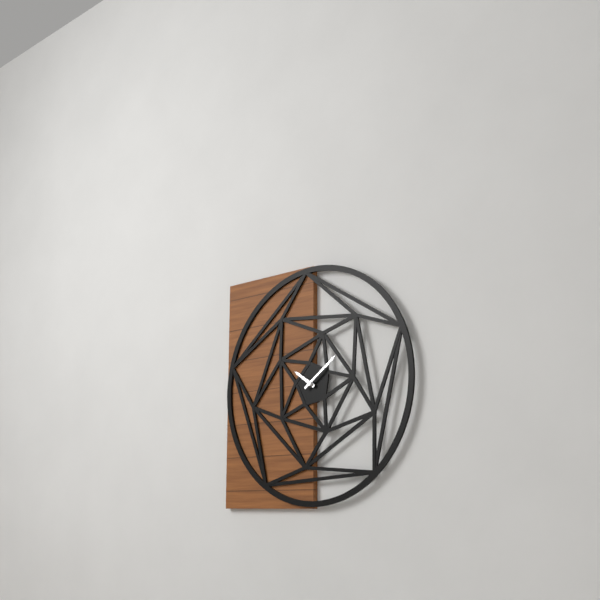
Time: {"hour": 10, "minute": 9}
